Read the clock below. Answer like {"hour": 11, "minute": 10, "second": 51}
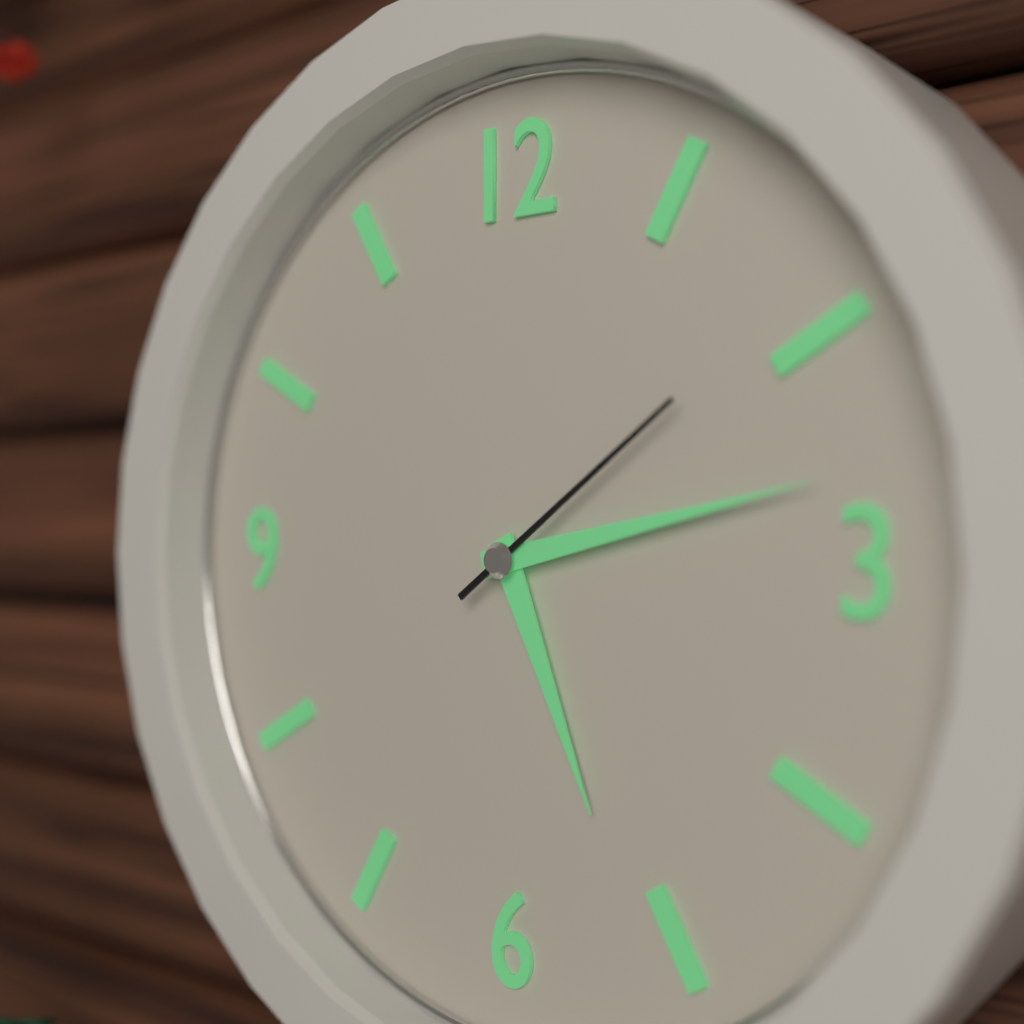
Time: {"hour": 5, "minute": 13, "second": 9}
